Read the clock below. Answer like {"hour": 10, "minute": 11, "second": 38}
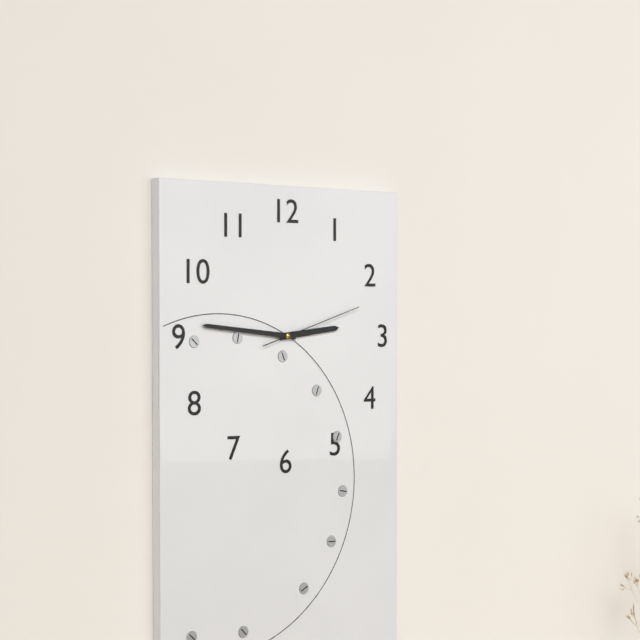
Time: {"hour": 2, "minute": 46, "second": 12}
